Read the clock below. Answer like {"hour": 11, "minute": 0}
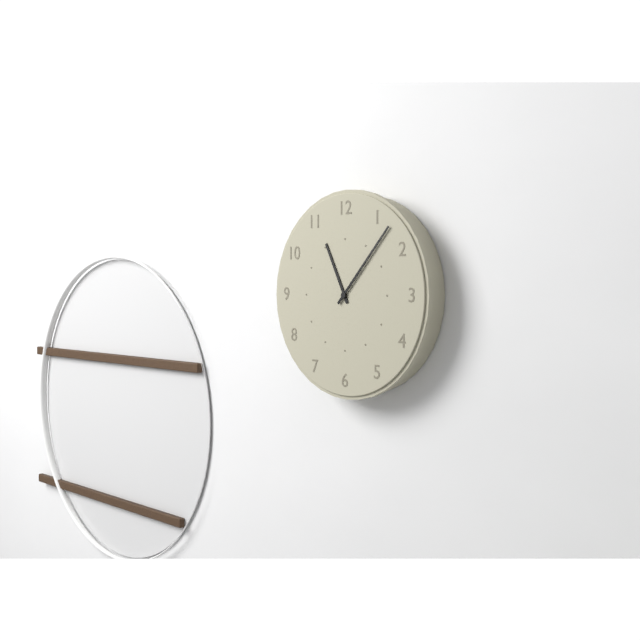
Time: {"hour": 11, "minute": 7}
